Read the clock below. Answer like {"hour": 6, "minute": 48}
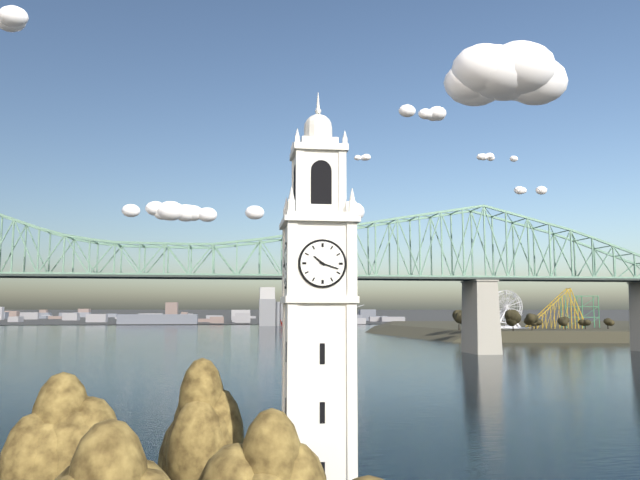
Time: {"hour": 10, "minute": 18}
